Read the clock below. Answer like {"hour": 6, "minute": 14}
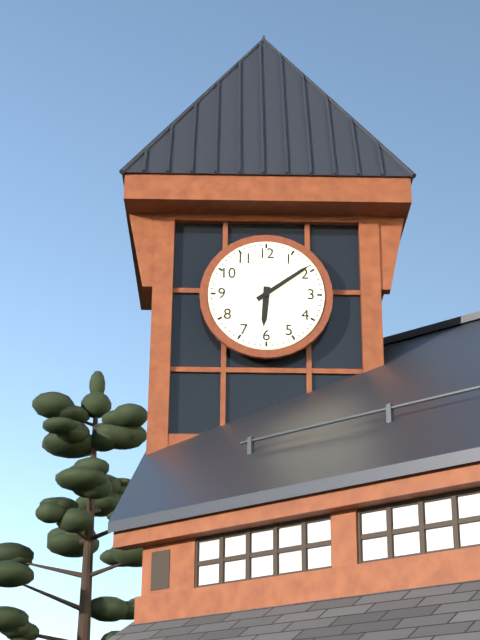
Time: {"hour": 6, "minute": 9}
